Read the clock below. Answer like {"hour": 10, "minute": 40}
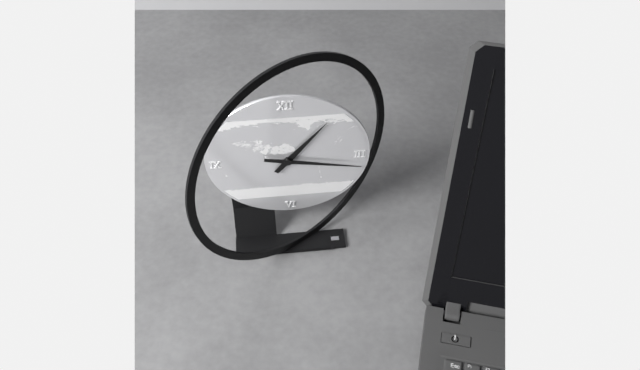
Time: {"hour": 1, "minute": 17}
